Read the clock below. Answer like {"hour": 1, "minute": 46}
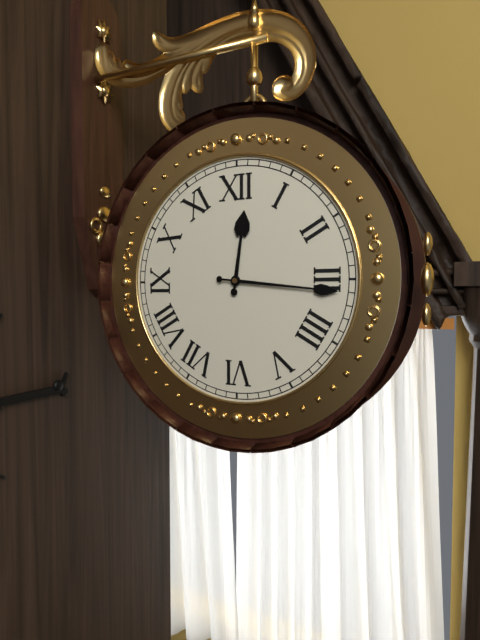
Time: {"hour": 12, "minute": 16}
